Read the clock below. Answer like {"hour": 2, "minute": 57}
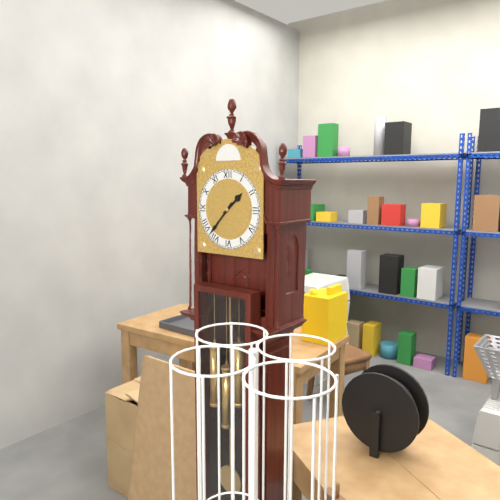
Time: {"hour": 1, "minute": 37}
